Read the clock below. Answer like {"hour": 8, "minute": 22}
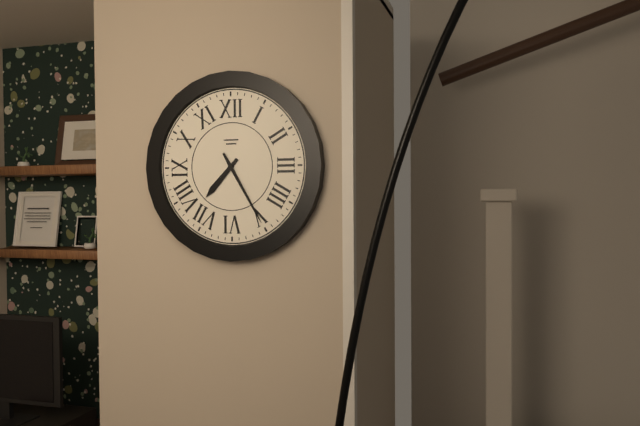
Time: {"hour": 7, "minute": 25}
